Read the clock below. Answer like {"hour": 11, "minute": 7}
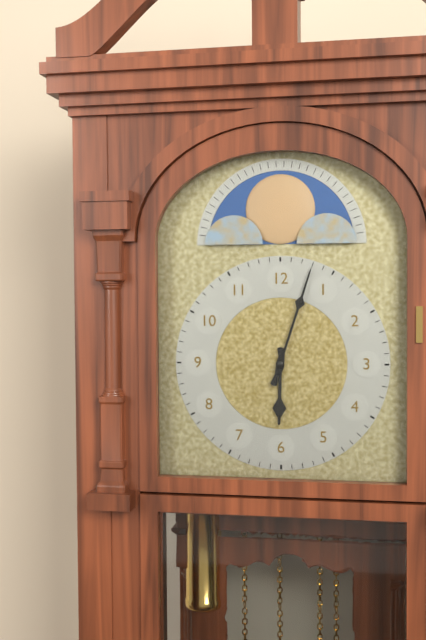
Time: {"hour": 6, "minute": 3}
